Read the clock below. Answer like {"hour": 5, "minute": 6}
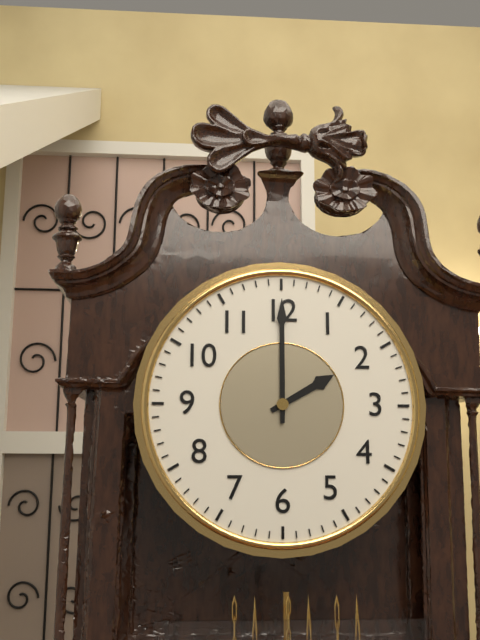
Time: {"hour": 2, "minute": 0}
